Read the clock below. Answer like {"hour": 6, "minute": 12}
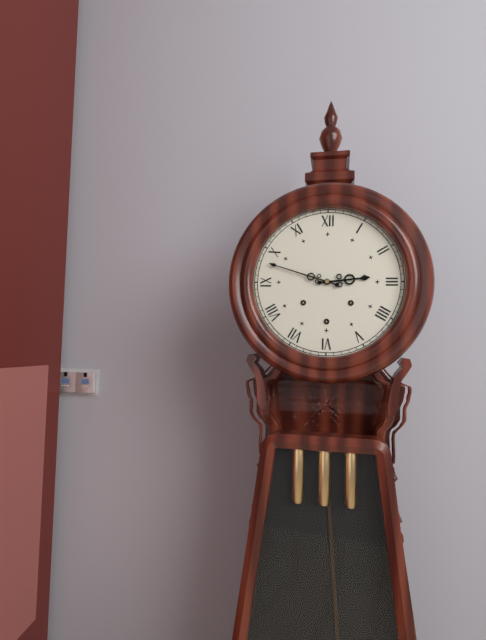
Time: {"hour": 2, "minute": 48}
